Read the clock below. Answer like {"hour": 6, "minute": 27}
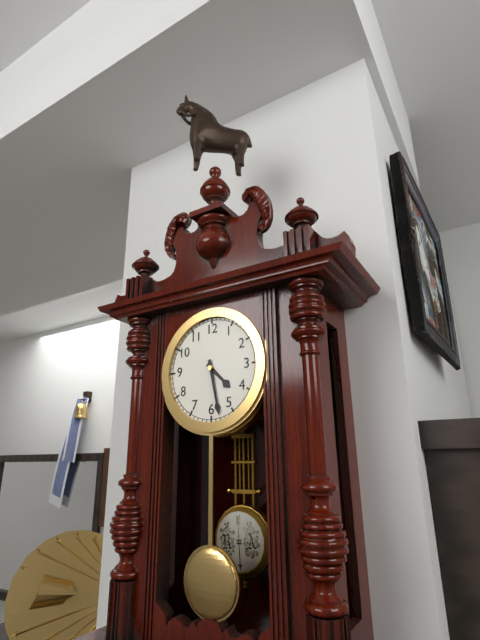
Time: {"hour": 4, "minute": 28}
